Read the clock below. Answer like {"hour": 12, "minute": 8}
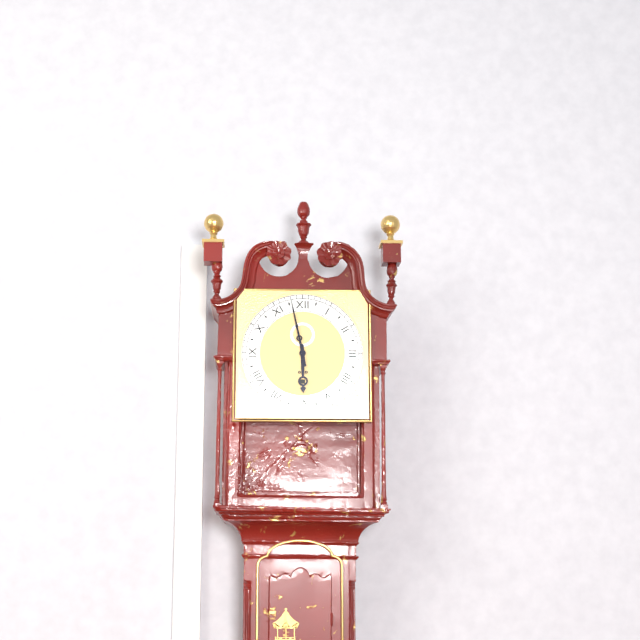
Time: {"hour": 5, "minute": 58}
